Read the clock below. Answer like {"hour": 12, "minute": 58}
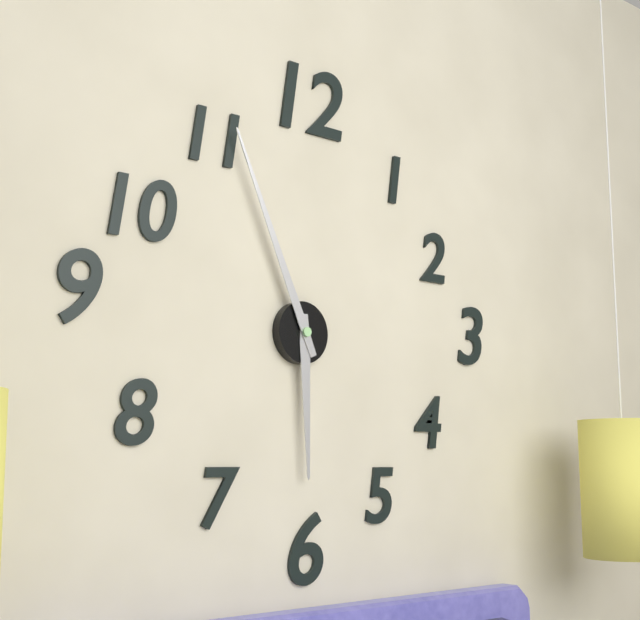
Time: {"hour": 5, "minute": 56}
